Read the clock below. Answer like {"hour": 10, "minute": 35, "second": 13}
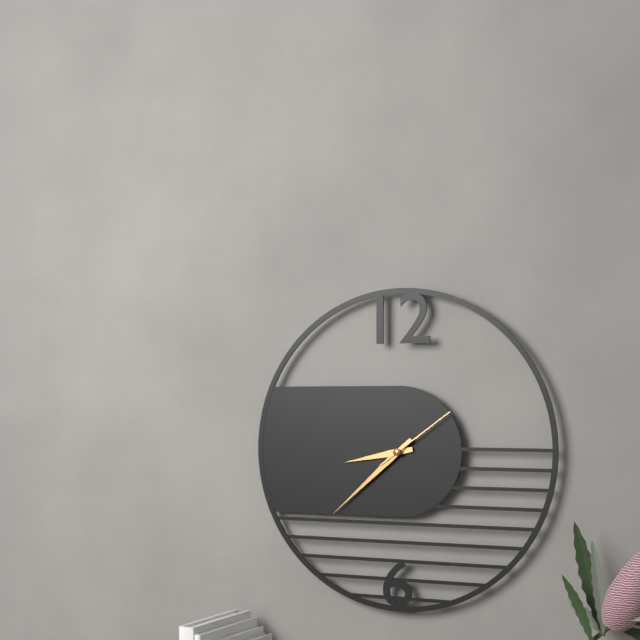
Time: {"hour": 8, "minute": 38, "second": 9}
